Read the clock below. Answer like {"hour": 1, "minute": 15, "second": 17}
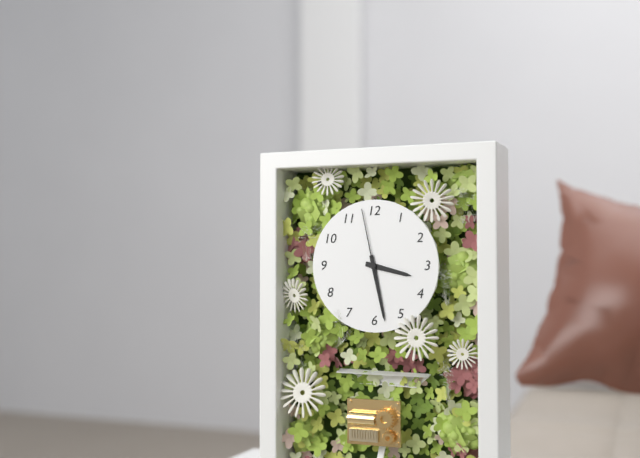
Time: {"hour": 3, "minute": 28, "second": 58}
